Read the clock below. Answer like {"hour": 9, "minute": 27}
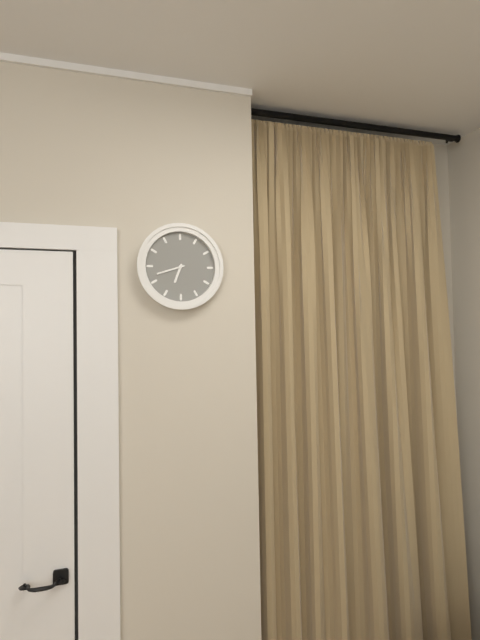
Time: {"hour": 6, "minute": 42}
